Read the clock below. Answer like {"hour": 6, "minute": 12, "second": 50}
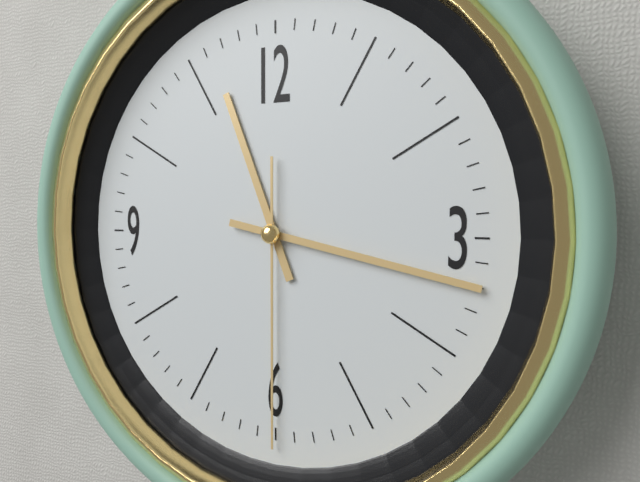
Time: {"hour": 11, "minute": 17, "second": 30}
